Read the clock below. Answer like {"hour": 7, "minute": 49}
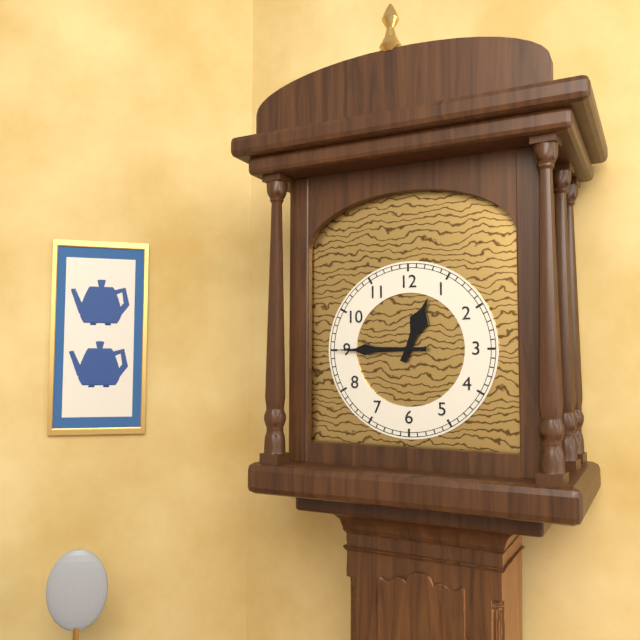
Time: {"hour": 12, "minute": 45}
